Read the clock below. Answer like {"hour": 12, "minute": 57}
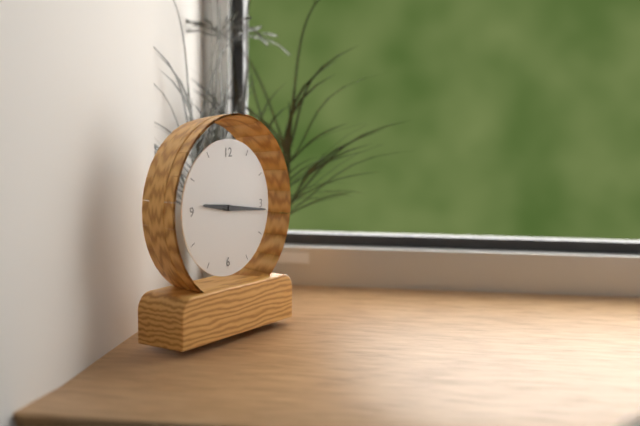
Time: {"hour": 9, "minute": 16}
